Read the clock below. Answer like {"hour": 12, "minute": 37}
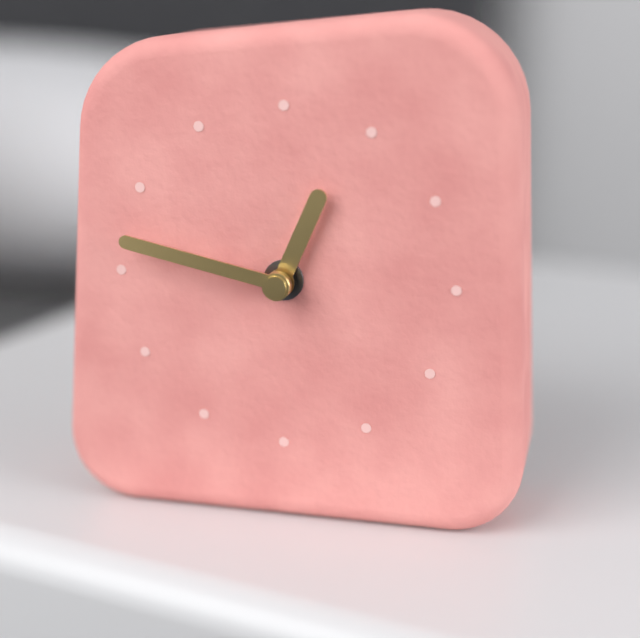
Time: {"hour": 12, "minute": 47}
